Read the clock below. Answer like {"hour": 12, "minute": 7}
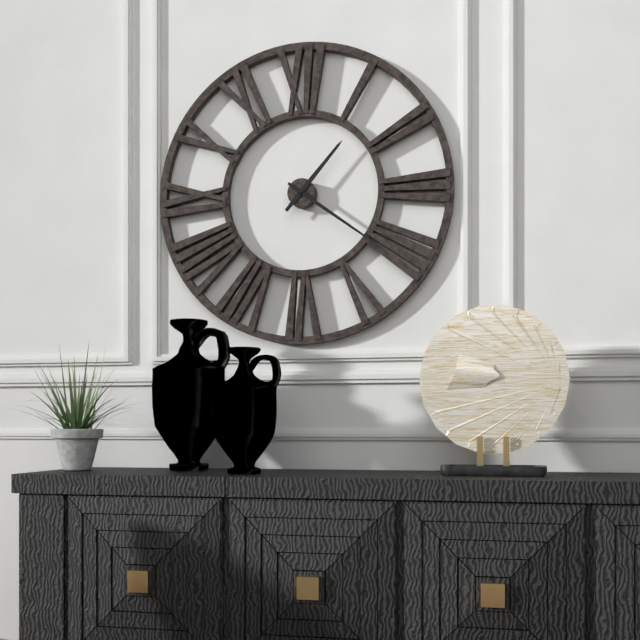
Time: {"hour": 1, "minute": 21}
